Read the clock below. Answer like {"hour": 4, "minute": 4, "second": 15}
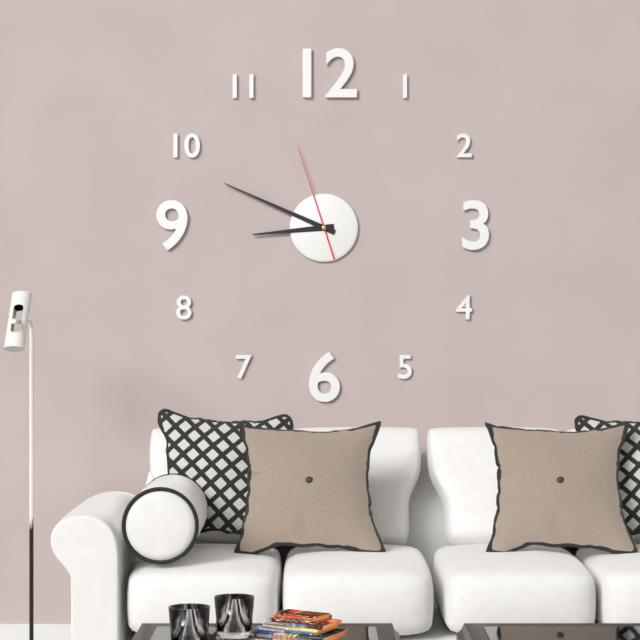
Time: {"hour": 8, "minute": 49, "second": 57}
